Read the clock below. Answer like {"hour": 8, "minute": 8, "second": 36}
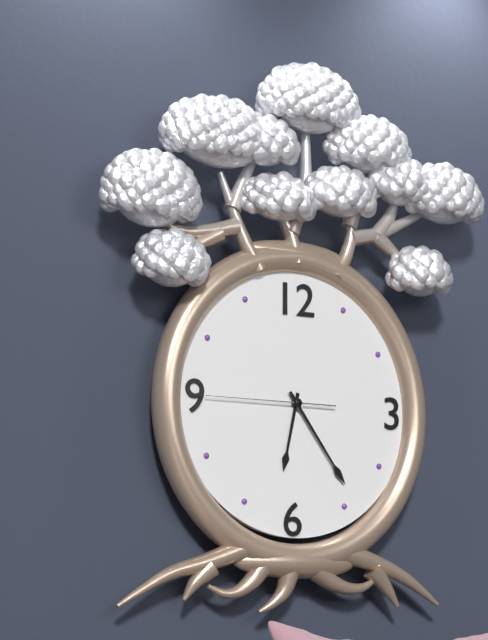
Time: {"hour": 6, "minute": 24, "second": 45}
